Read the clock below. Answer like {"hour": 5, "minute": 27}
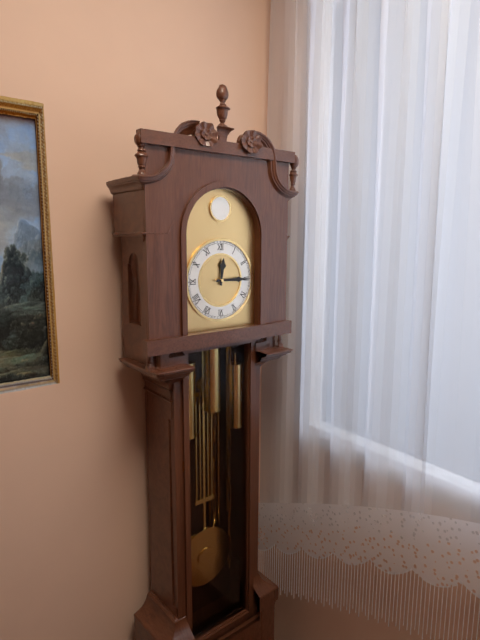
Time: {"hour": 12, "minute": 15}
